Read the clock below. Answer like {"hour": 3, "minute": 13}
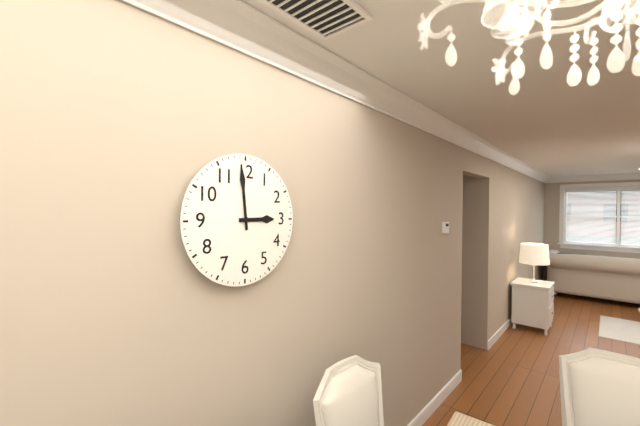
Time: {"hour": 2, "minute": 59}
